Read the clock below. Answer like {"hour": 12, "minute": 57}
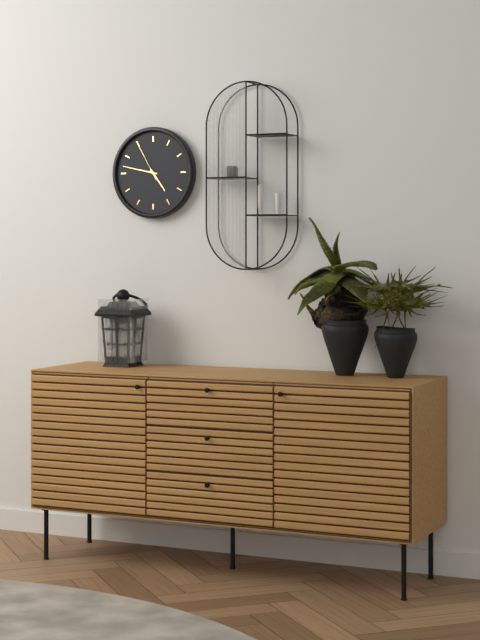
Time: {"hour": 4, "minute": 47}
